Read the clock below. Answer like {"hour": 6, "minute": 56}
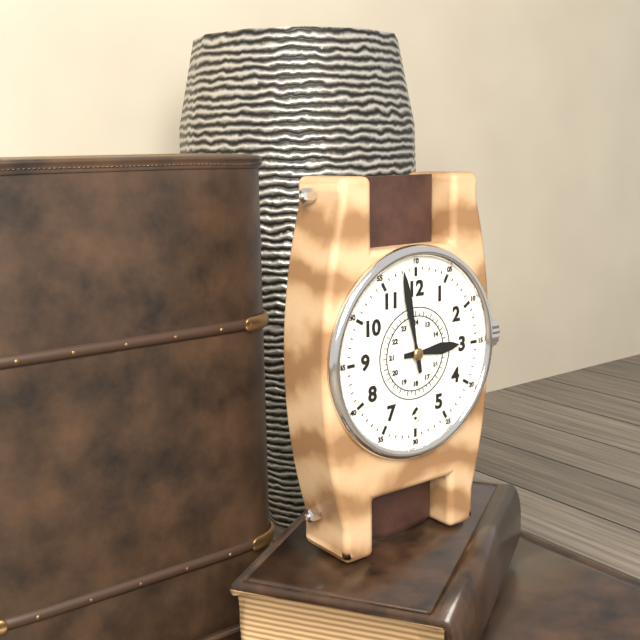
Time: {"hour": 2, "minute": 58}
